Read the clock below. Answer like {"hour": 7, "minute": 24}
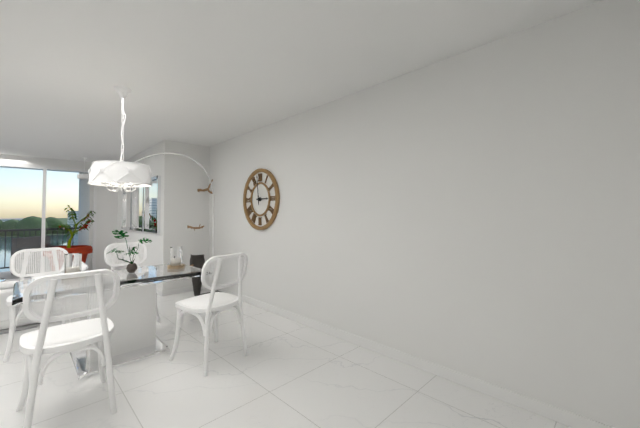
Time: {"hour": 2, "minute": 59}
